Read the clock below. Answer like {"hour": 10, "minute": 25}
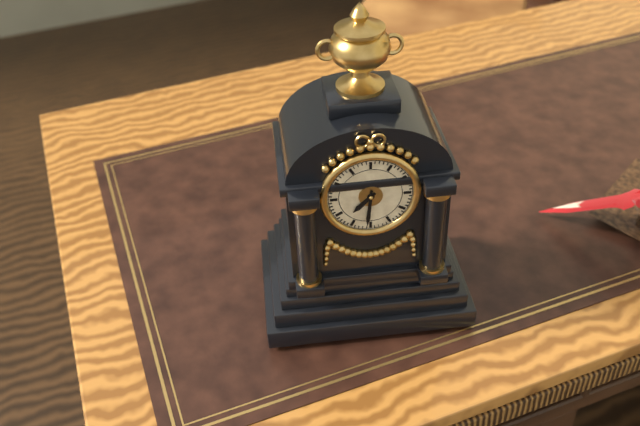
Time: {"hour": 7, "minute": 31}
